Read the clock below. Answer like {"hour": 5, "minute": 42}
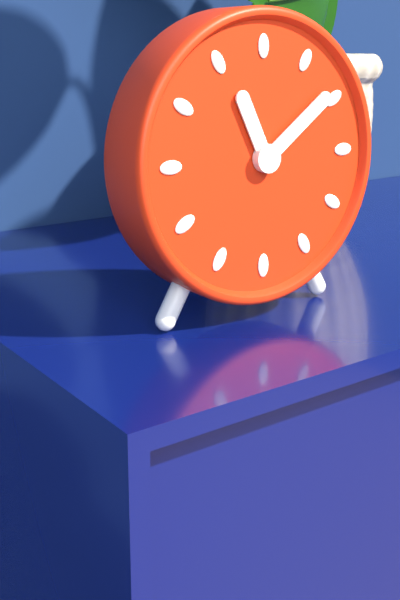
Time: {"hour": 11, "minute": 9}
